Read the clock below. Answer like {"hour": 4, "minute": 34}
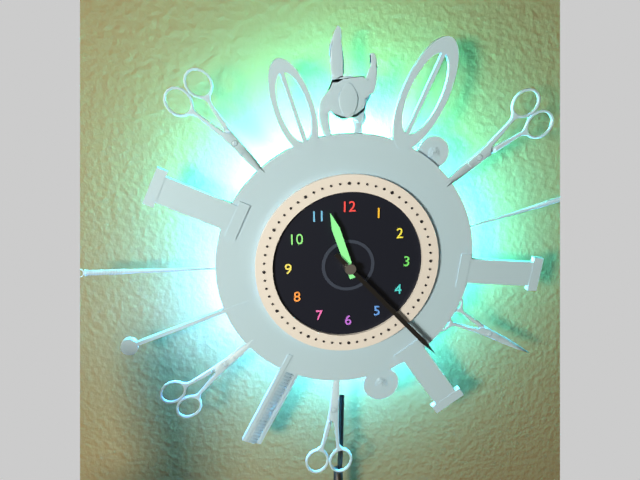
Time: {"hour": 11, "minute": 23}
